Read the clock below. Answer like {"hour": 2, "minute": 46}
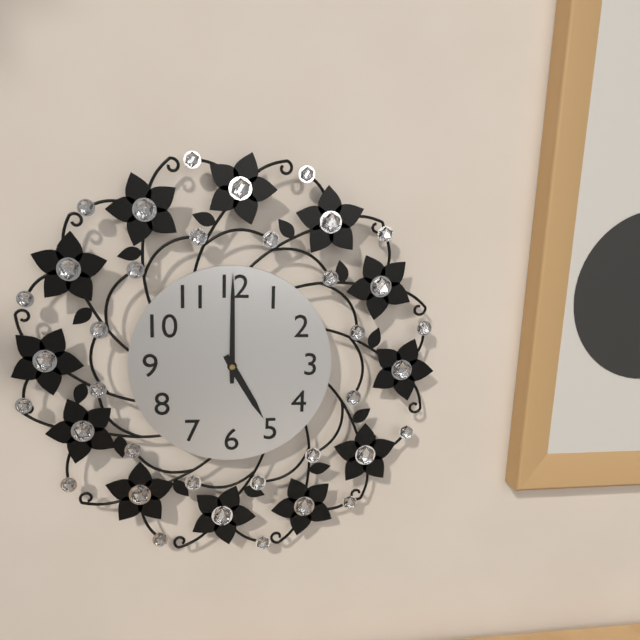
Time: {"hour": 5, "minute": 0}
